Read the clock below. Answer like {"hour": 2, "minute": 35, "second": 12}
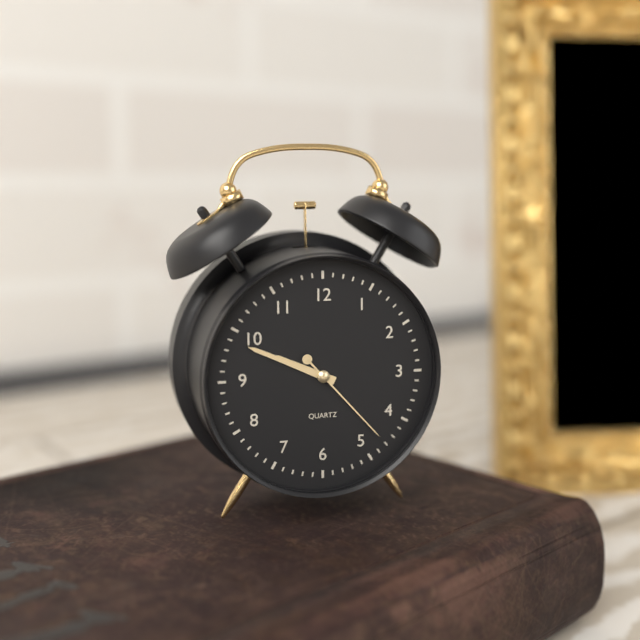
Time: {"hour": 9, "minute": 49, "second": 23}
